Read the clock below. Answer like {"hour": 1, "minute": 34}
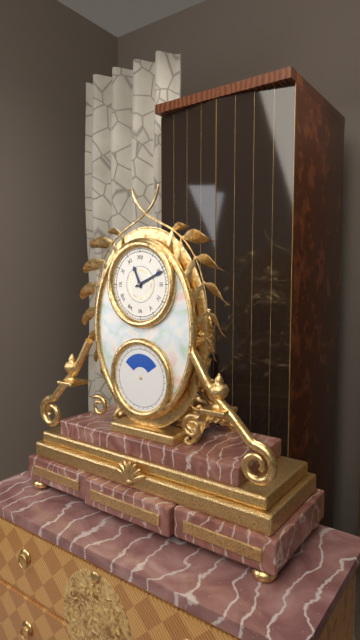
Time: {"hour": 11, "minute": 11}
